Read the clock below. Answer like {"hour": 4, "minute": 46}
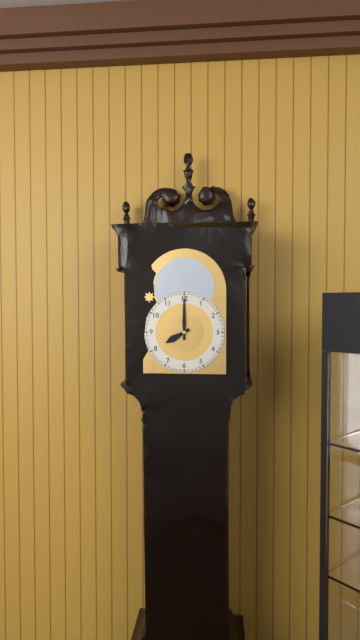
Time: {"hour": 8, "minute": 0}
